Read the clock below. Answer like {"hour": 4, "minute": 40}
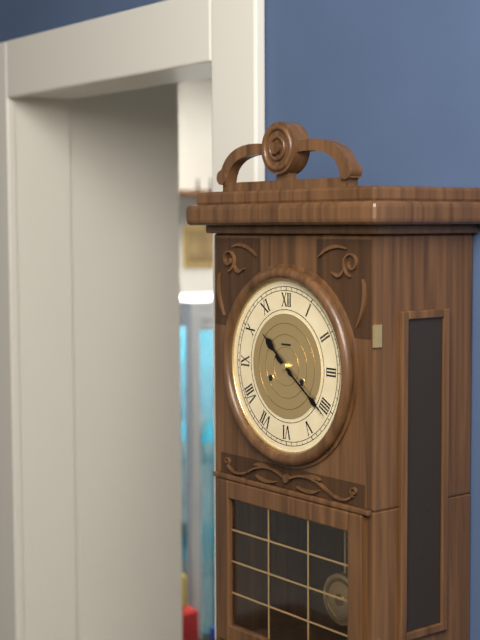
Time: {"hour": 10, "minute": 21}
